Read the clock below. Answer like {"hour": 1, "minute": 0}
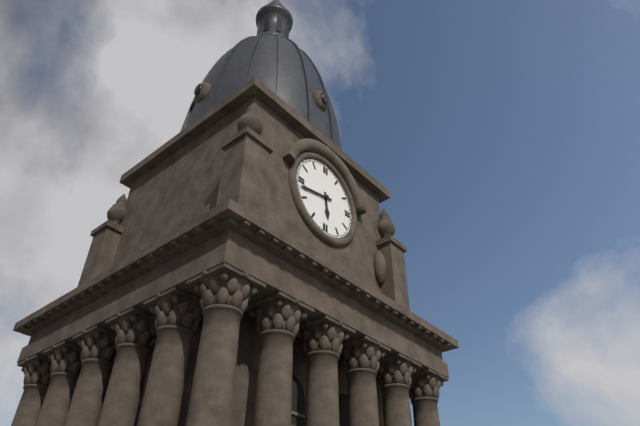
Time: {"hour": 5, "minute": 43}
